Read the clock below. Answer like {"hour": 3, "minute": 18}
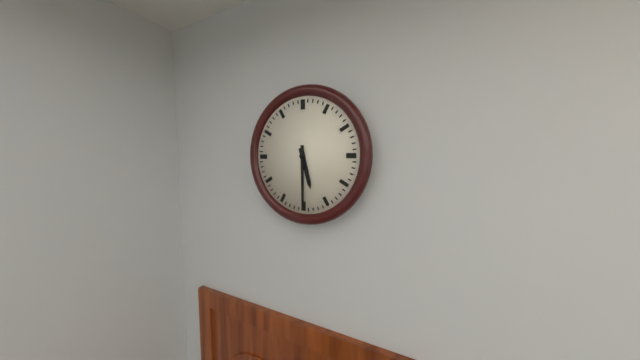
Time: {"hour": 5, "minute": 30}
